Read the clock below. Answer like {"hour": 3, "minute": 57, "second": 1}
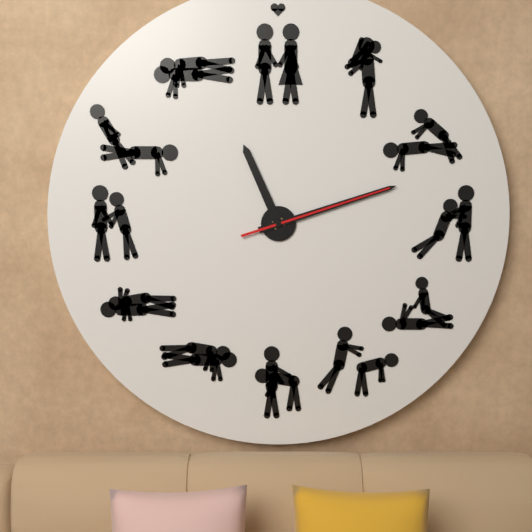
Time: {"hour": 11, "minute": 12, "second": 12}
